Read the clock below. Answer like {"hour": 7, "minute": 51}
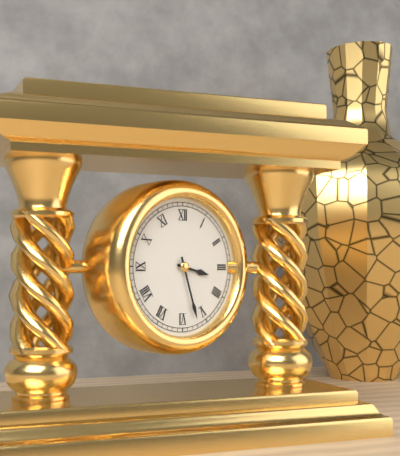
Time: {"hour": 3, "minute": 27}
